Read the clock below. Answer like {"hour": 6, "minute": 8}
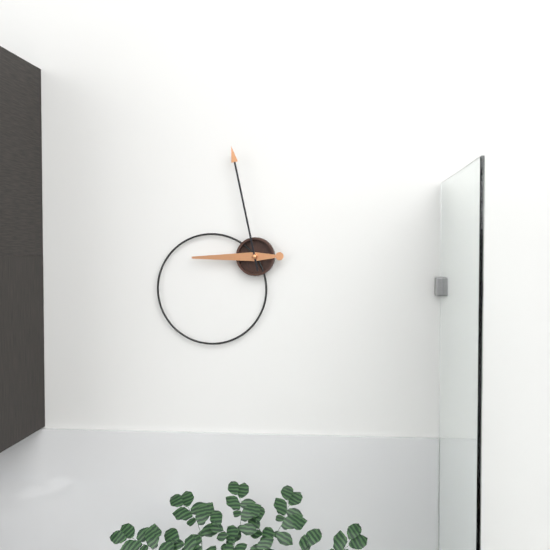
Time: {"hour": 8, "minute": 58}
